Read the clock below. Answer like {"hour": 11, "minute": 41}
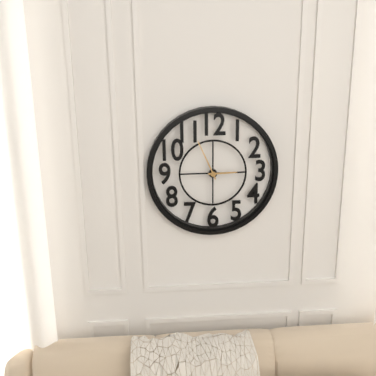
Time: {"hour": 2, "minute": 56}
